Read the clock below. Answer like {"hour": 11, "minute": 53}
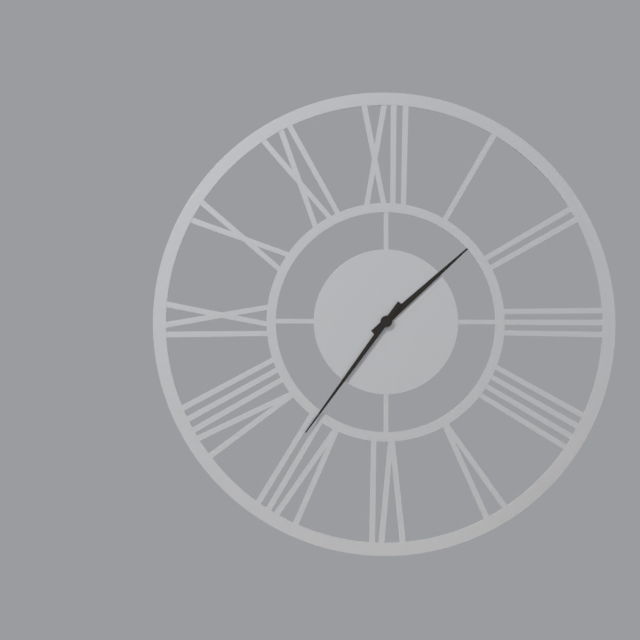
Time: {"hour": 1, "minute": 36}
